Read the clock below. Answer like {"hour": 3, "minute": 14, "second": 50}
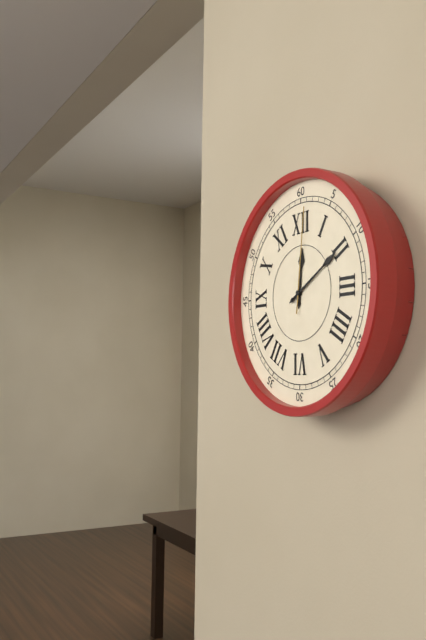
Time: {"hour": 12, "minute": 10, "second": 1}
